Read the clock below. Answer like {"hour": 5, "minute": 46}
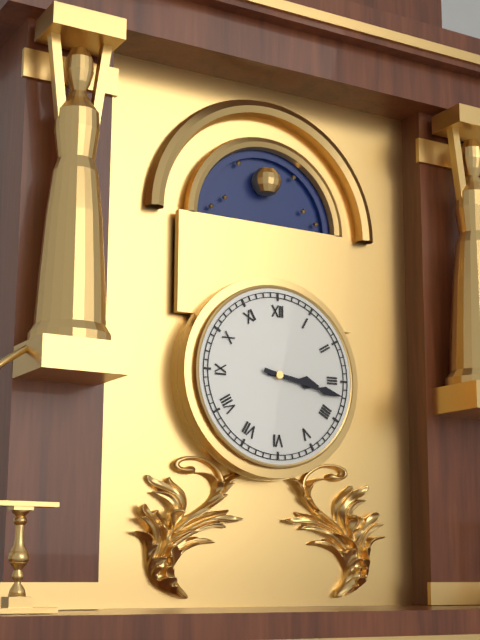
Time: {"hour": 3, "minute": 17}
